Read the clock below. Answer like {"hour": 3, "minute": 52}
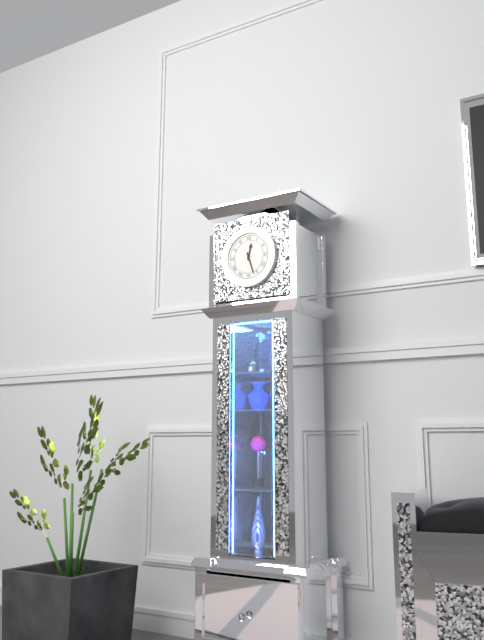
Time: {"hour": 12, "minute": 27}
